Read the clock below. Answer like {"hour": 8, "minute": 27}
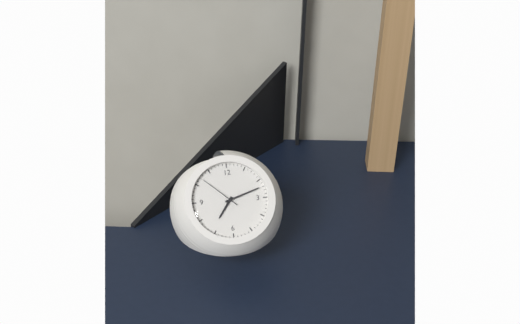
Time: {"hour": 7, "minute": 12}
